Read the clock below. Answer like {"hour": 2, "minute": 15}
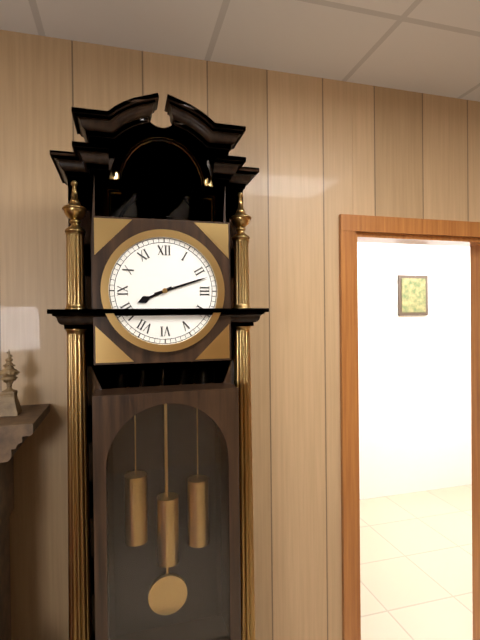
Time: {"hour": 8, "minute": 12}
